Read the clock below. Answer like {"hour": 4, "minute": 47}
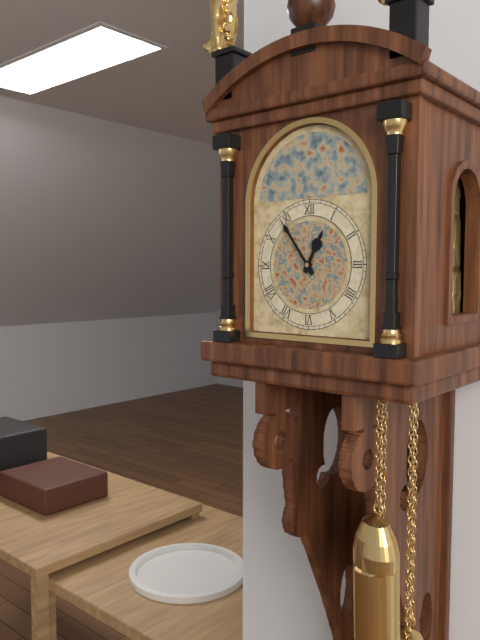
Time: {"hour": 12, "minute": 54}
